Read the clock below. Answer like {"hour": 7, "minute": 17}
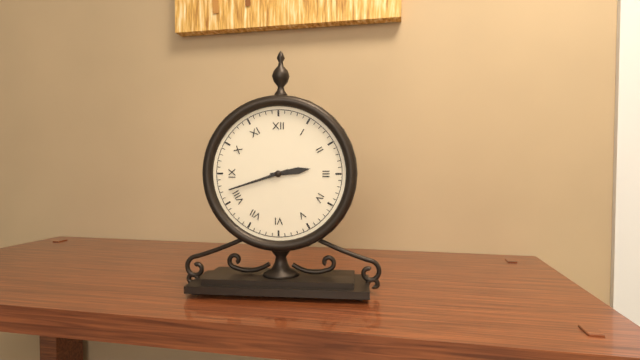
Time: {"hour": 2, "minute": 42}
